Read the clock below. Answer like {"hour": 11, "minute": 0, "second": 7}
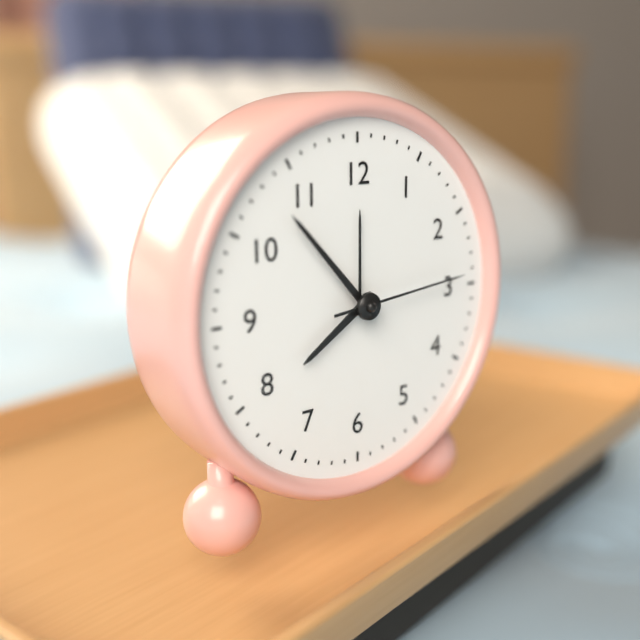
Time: {"hour": 7, "minute": 53, "second": 14}
